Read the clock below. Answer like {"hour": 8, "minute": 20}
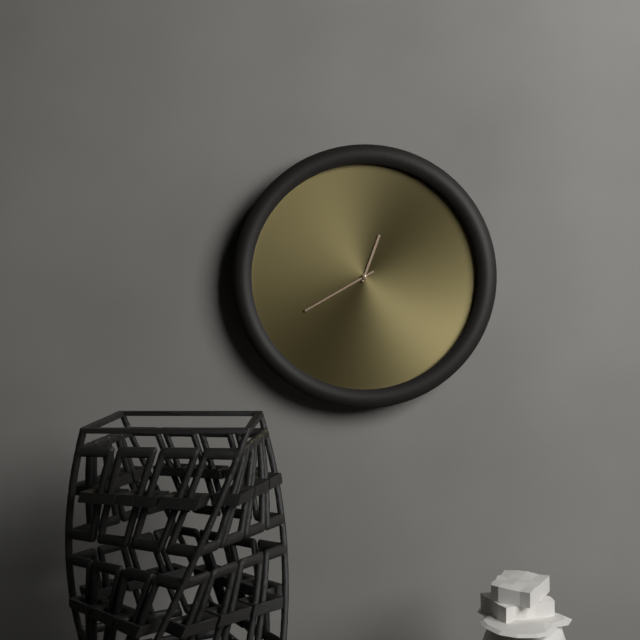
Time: {"hour": 12, "minute": 40}
